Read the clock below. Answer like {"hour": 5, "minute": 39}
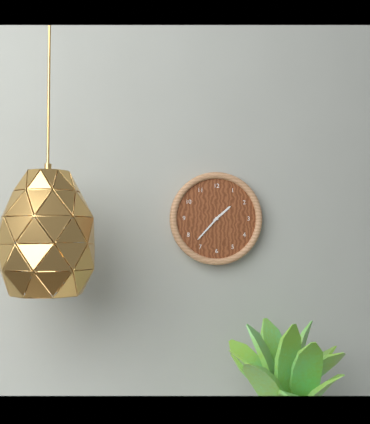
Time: {"hour": 1, "minute": 37}
